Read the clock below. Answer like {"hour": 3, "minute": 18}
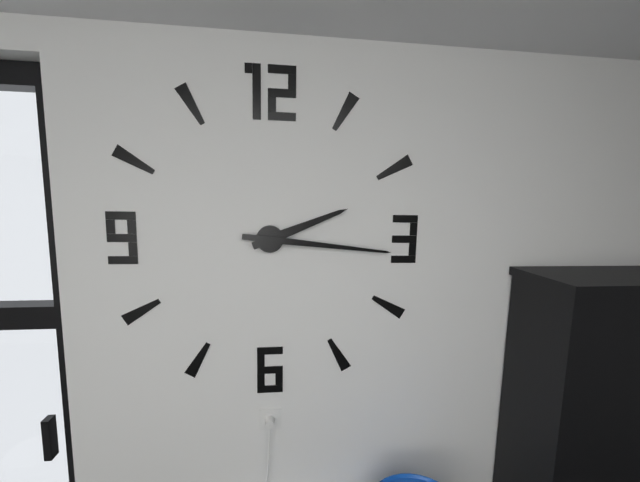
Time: {"hour": 2, "minute": 16}
